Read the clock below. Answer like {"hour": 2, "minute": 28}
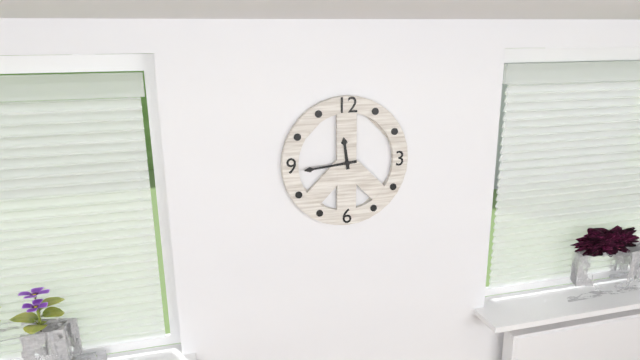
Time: {"hour": 11, "minute": 44}
